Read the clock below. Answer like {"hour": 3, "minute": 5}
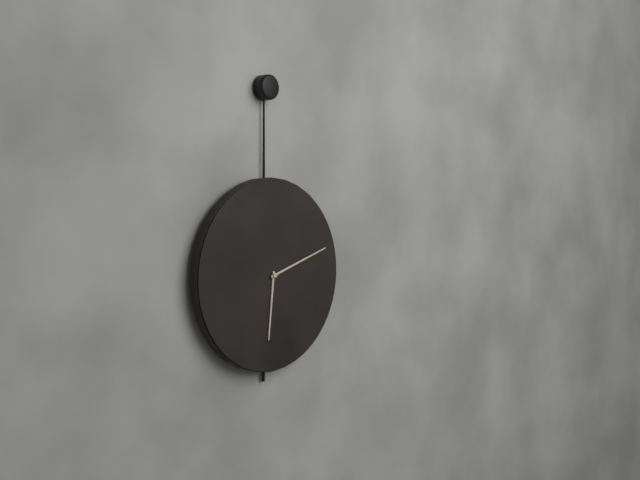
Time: {"hour": 6, "minute": 12}
